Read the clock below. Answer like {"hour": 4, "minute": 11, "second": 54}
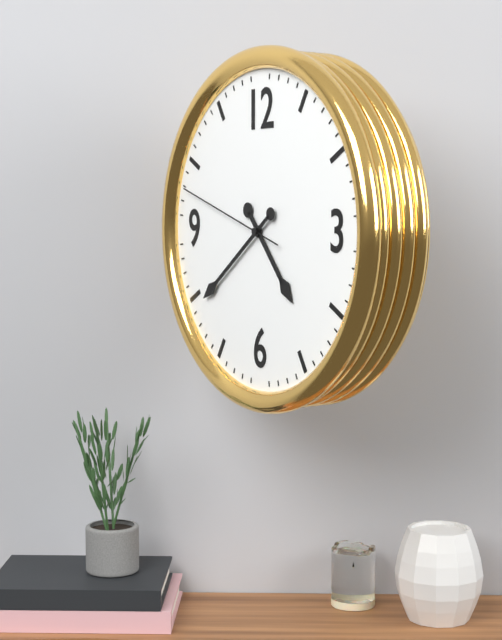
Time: {"hour": 4, "minute": 39, "second": 48}
